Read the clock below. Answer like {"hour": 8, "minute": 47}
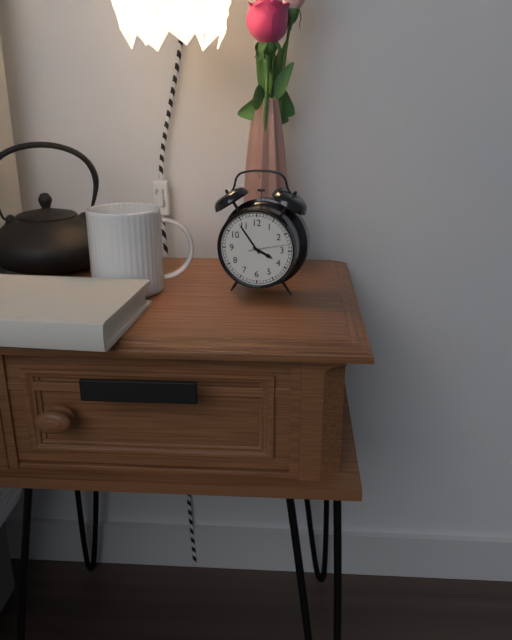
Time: {"hour": 3, "minute": 54}
